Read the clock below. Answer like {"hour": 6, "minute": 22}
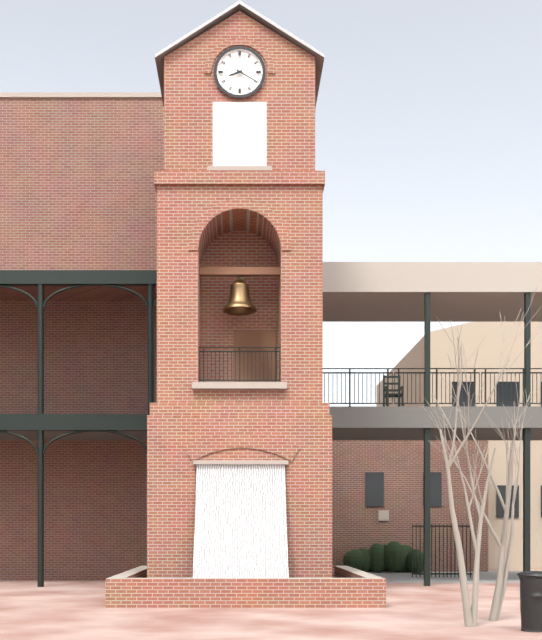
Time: {"hour": 8, "minute": 20}
